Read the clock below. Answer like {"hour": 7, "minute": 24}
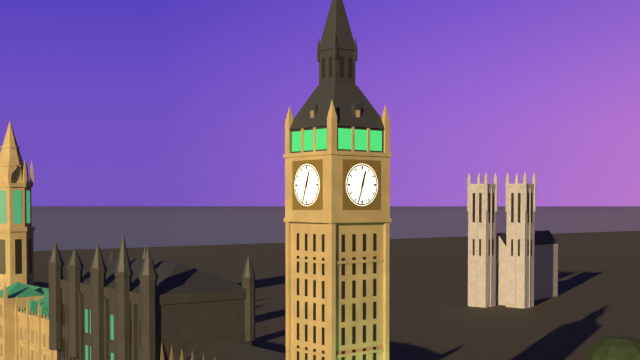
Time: {"hour": 12, "minute": 33}
